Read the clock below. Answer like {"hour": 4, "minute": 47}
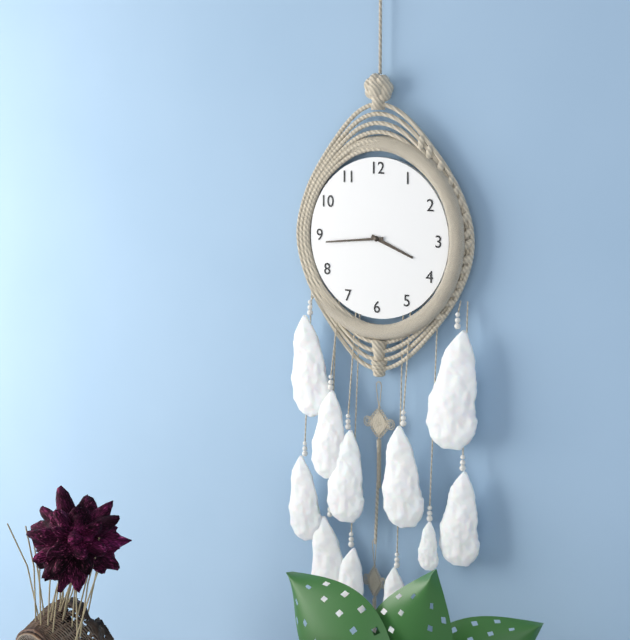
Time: {"hour": 3, "minute": 44}
